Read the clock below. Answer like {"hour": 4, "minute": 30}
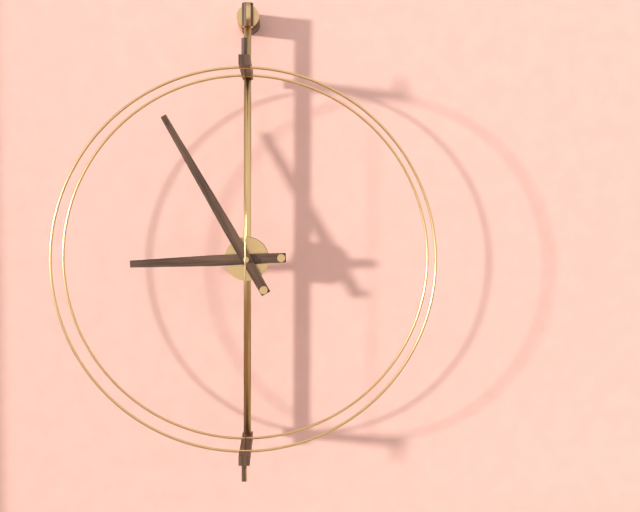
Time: {"hour": 8, "minute": 55}
